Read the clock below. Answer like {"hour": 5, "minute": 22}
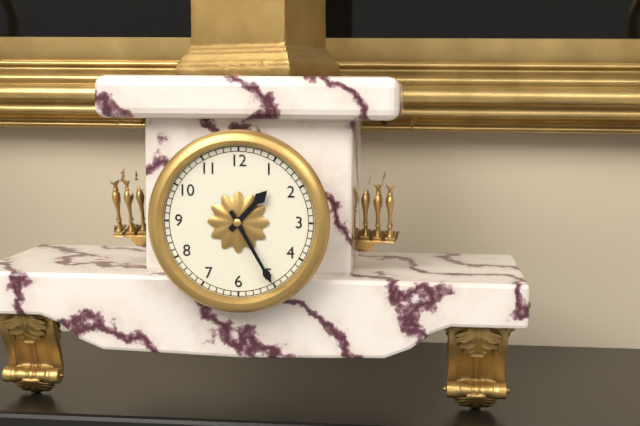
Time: {"hour": 1, "minute": 25}
